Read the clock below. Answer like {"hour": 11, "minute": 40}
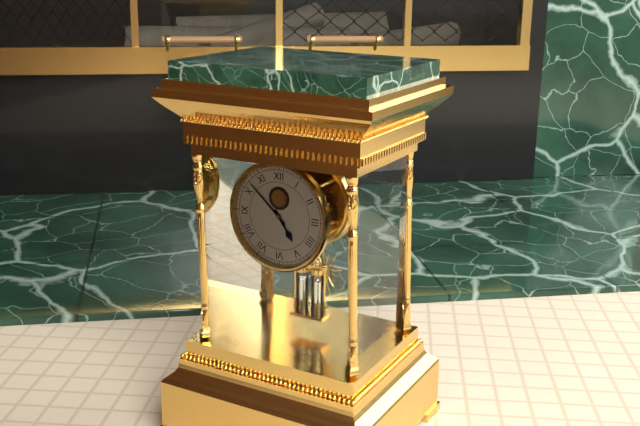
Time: {"hour": 4, "minute": 52}
